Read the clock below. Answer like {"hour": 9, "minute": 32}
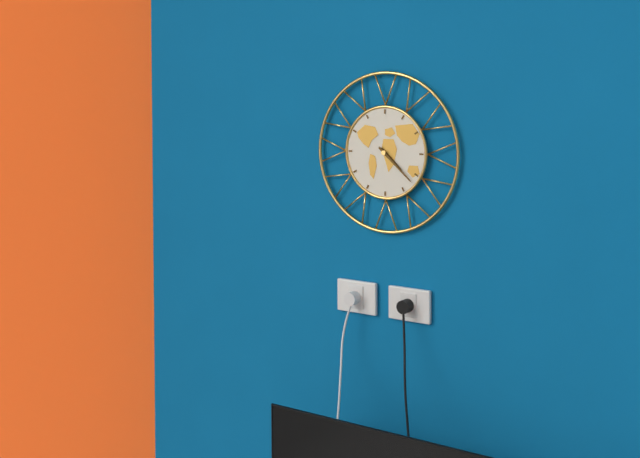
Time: {"hour": 4, "minute": 22}
